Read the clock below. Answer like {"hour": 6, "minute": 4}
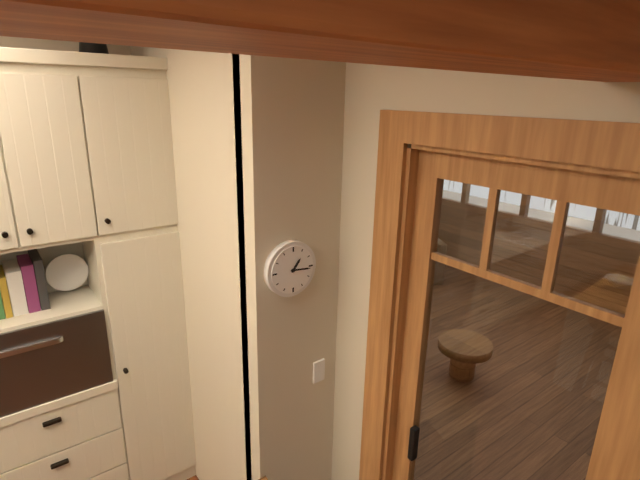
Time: {"hour": 1, "minute": 16}
